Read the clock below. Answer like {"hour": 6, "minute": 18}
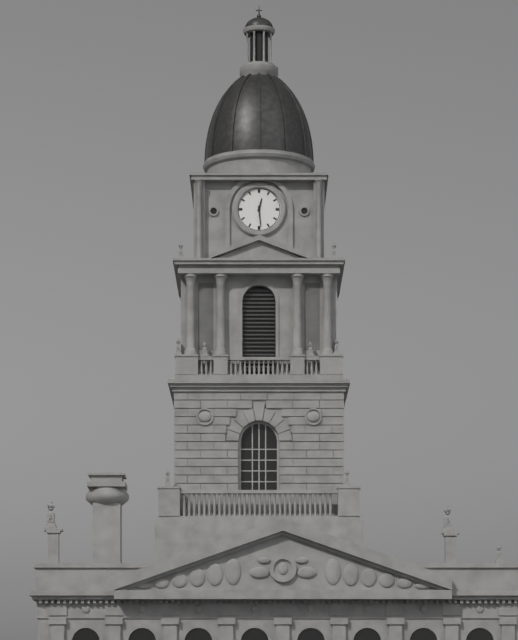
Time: {"hour": 12, "minute": 29}
